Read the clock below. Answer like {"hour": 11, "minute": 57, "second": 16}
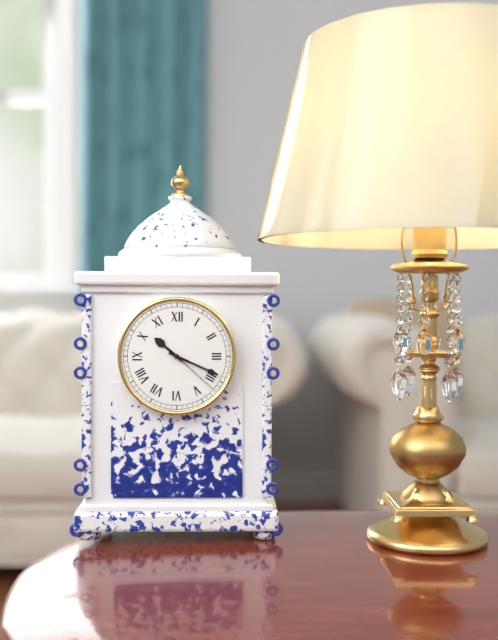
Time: {"hour": 10, "minute": 19, "second": 22}
